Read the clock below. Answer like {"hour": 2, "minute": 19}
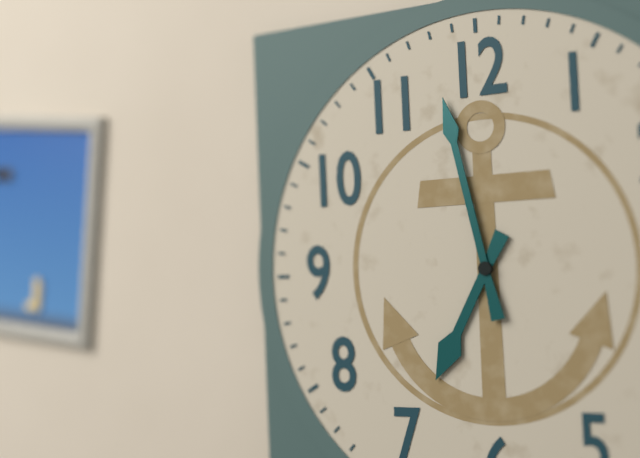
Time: {"hour": 6, "minute": 58}
